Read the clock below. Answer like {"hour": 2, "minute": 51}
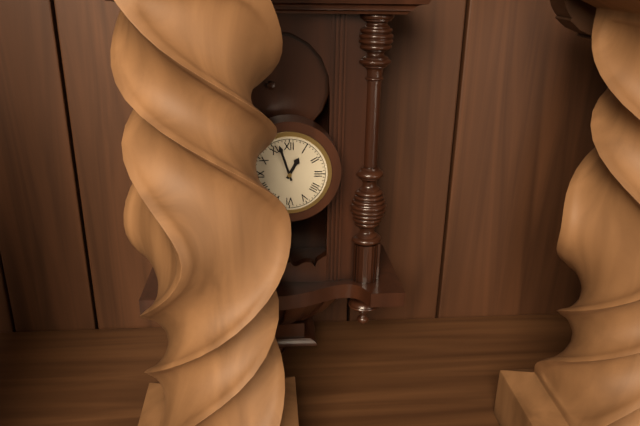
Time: {"hour": 12, "minute": 57}
